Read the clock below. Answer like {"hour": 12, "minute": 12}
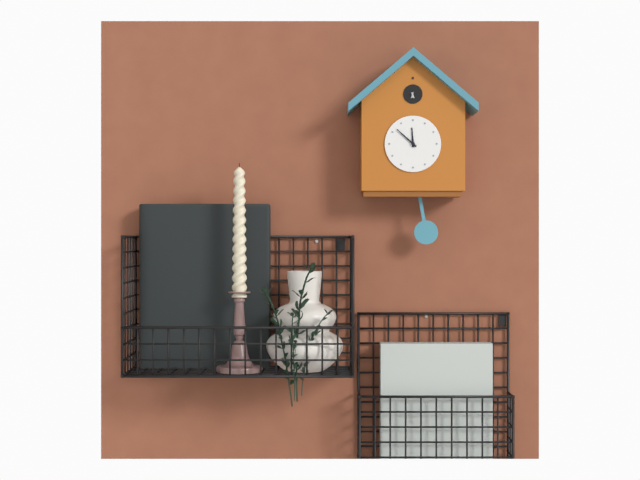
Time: {"hour": 11, "minute": 52}
